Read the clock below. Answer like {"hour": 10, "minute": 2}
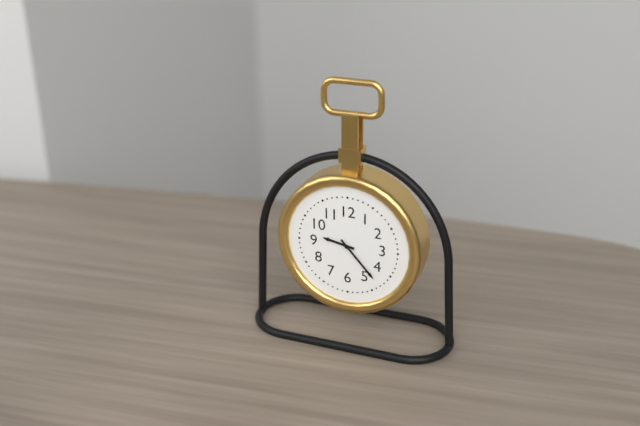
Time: {"hour": 9, "minute": 23}
